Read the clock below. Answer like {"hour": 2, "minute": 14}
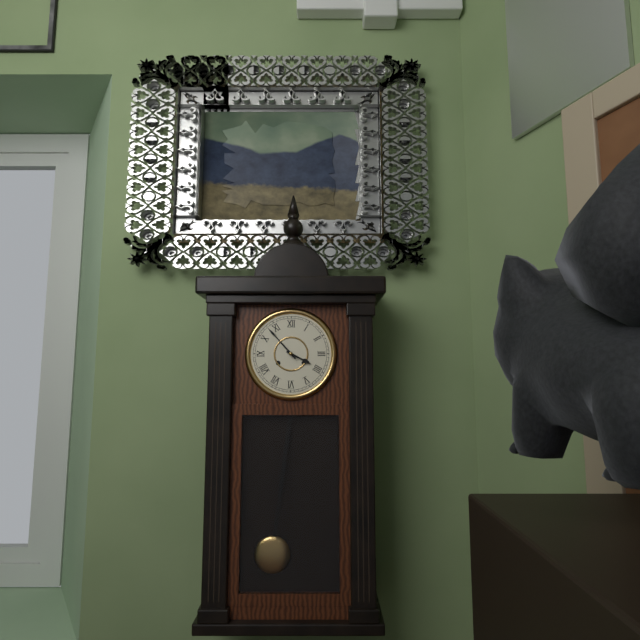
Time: {"hour": 3, "minute": 53}
